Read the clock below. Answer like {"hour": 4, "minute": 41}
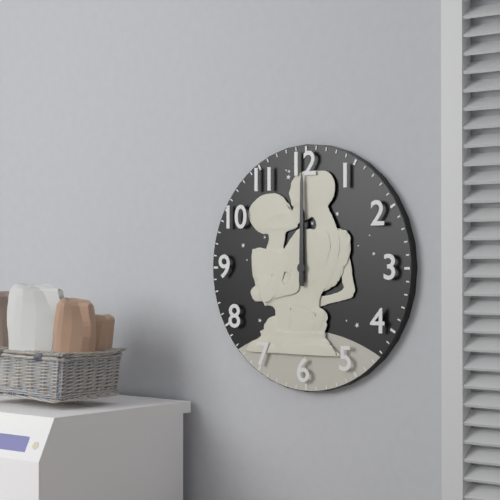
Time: {"hour": 12, "minute": 0}
